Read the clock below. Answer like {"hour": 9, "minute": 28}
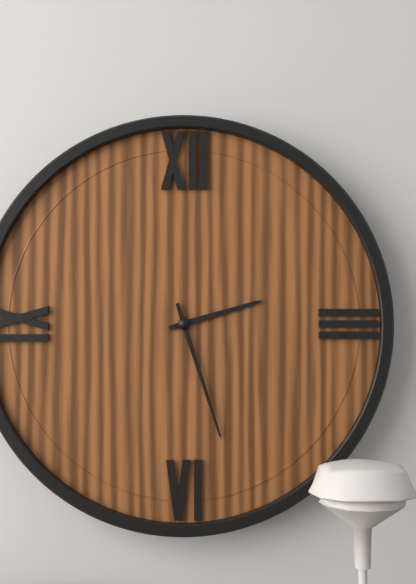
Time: {"hour": 2, "minute": 27}
